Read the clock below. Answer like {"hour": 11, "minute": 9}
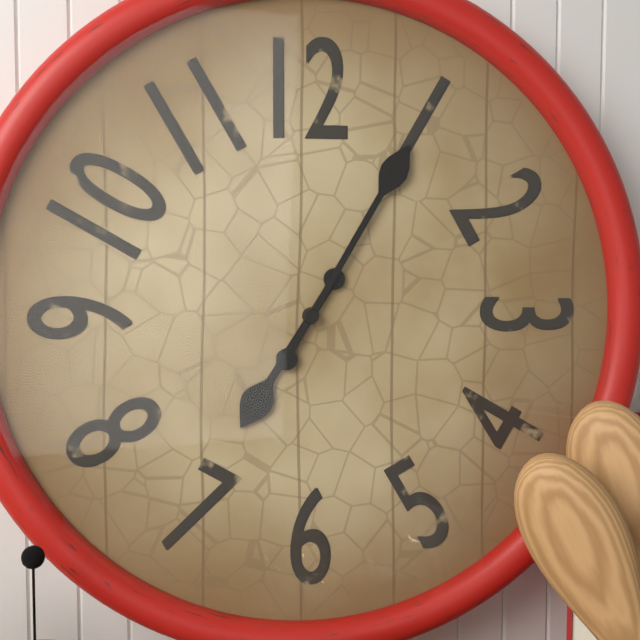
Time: {"hour": 7, "minute": 5}
